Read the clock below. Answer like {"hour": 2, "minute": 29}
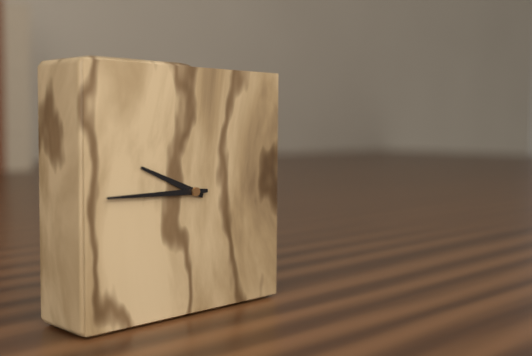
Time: {"hour": 9, "minute": 45}
